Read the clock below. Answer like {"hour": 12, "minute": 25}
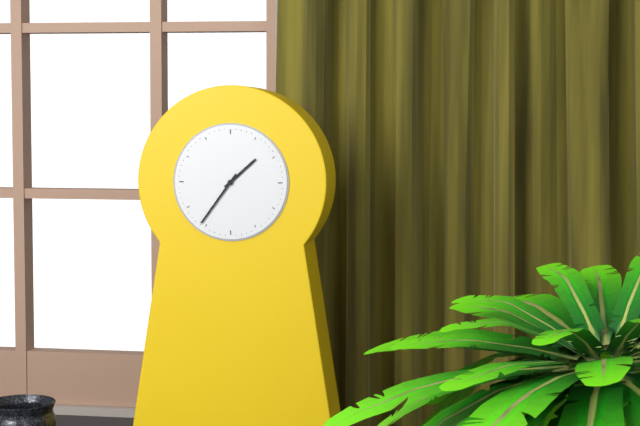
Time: {"hour": 1, "minute": 36}
